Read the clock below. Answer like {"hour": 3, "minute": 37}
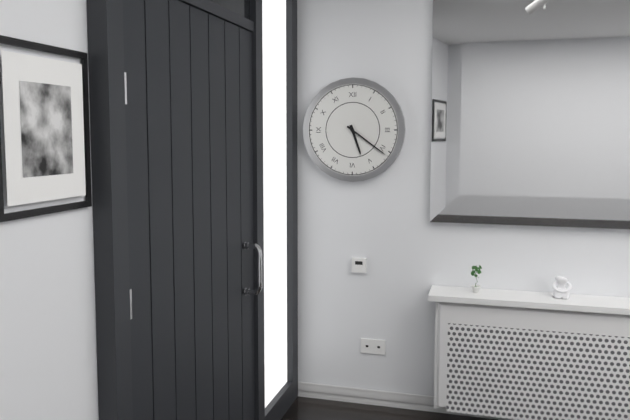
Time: {"hour": 5, "minute": 21}
